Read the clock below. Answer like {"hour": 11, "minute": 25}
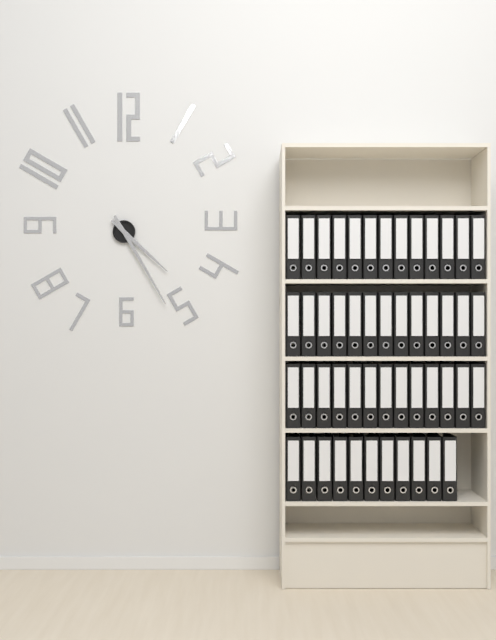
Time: {"hour": 4, "minute": 25}
